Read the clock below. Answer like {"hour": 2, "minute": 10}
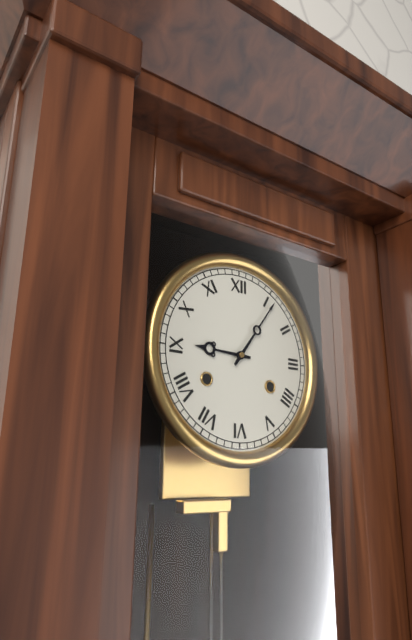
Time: {"hour": 9, "minute": 6}
